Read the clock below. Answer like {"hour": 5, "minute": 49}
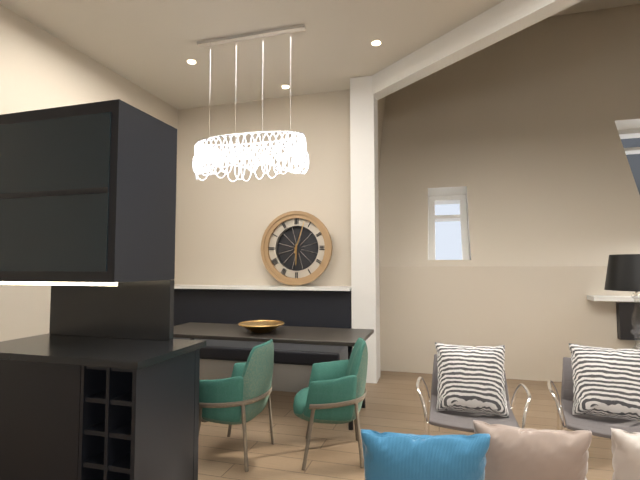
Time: {"hour": 6, "minute": 3}
